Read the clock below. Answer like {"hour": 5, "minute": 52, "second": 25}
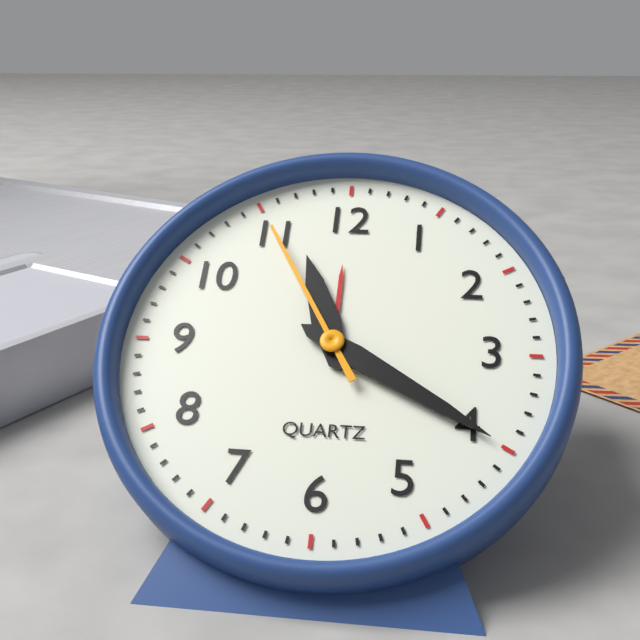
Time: {"hour": 11, "minute": 20, "second": 55}
